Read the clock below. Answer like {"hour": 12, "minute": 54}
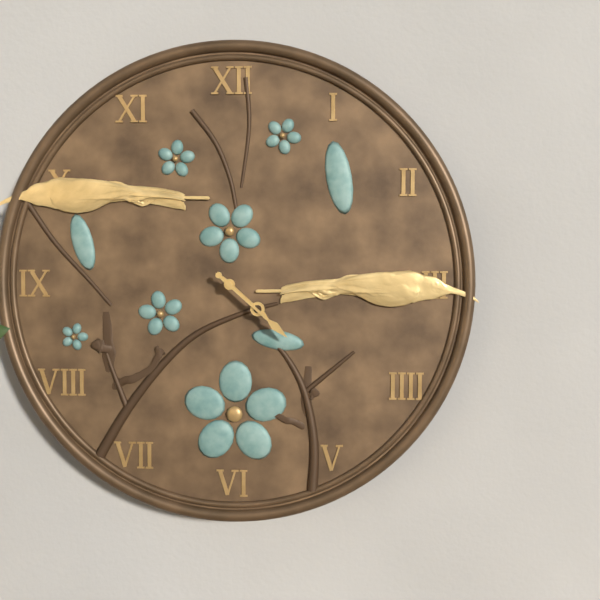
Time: {"hour": 4, "minute": 22}
